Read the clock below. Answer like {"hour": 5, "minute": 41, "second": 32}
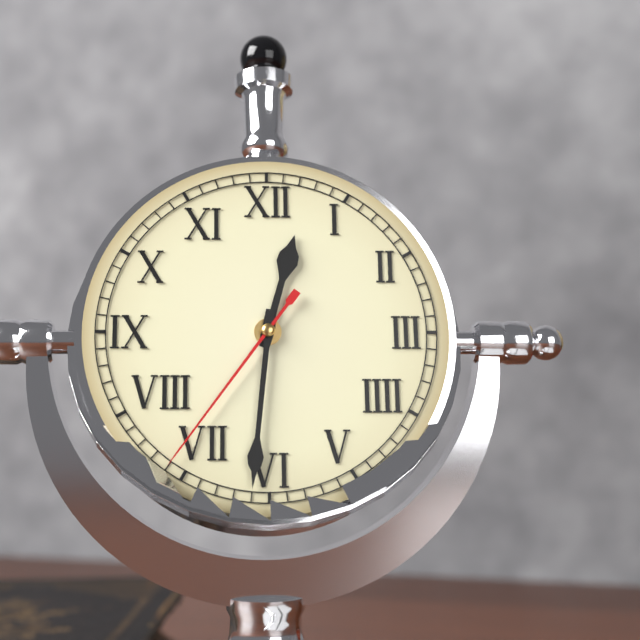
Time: {"hour": 12, "minute": 31, "second": 36}
